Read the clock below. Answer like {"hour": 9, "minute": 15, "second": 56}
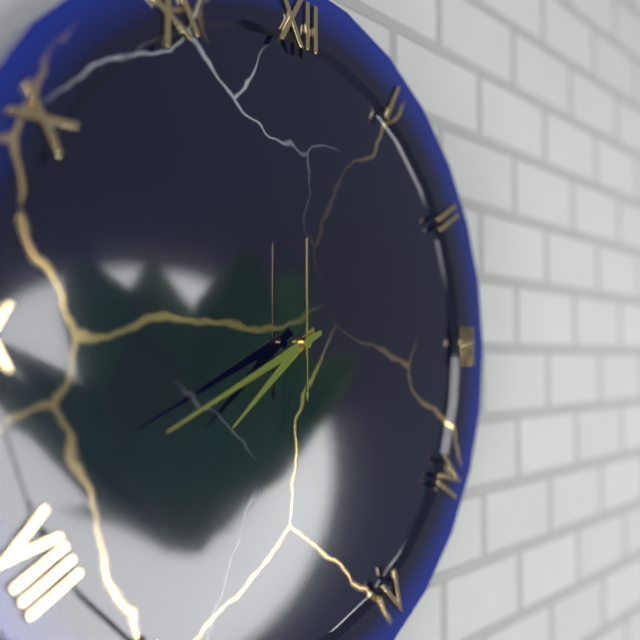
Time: {"hour": 7, "minute": 41, "second": 0}
